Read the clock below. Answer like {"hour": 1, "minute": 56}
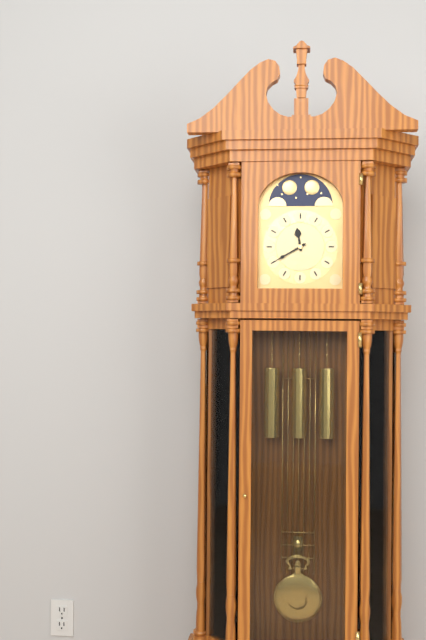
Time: {"hour": 11, "minute": 40}
